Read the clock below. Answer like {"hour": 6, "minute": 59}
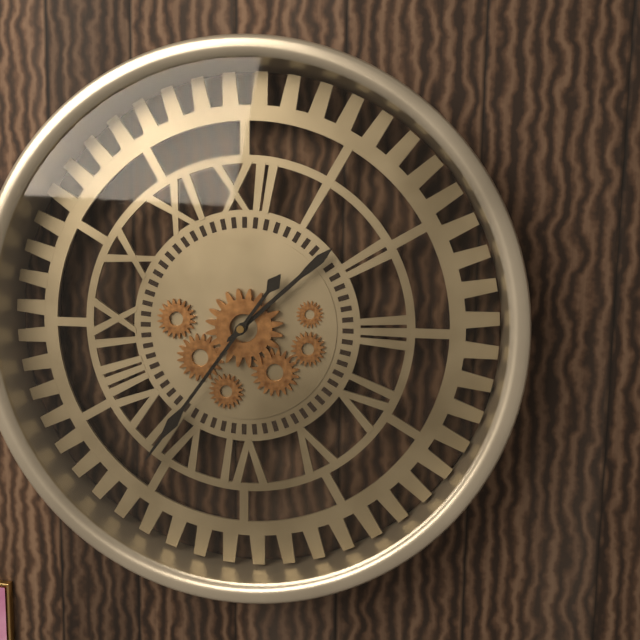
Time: {"hour": 1, "minute": 36}
